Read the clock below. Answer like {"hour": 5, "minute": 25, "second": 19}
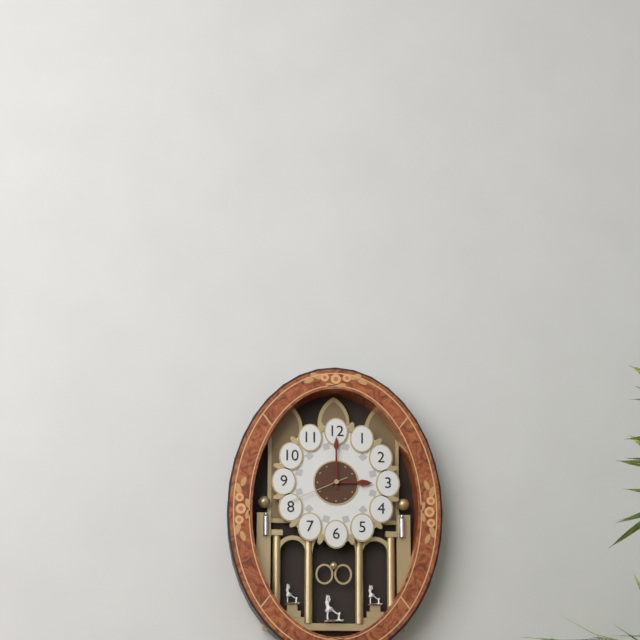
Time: {"hour": 3, "minute": 0, "second": 41}
